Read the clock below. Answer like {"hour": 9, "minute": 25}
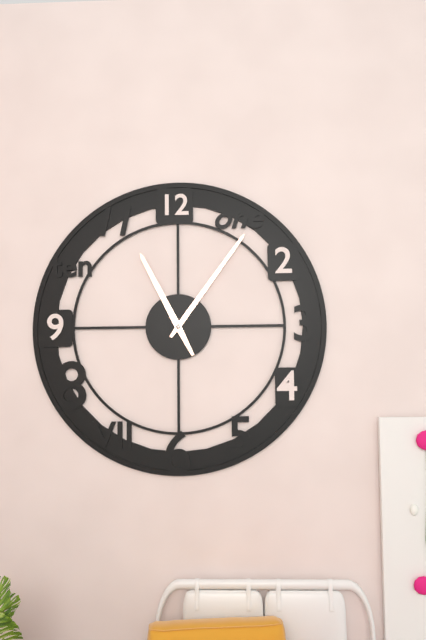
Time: {"hour": 11, "minute": 6}
